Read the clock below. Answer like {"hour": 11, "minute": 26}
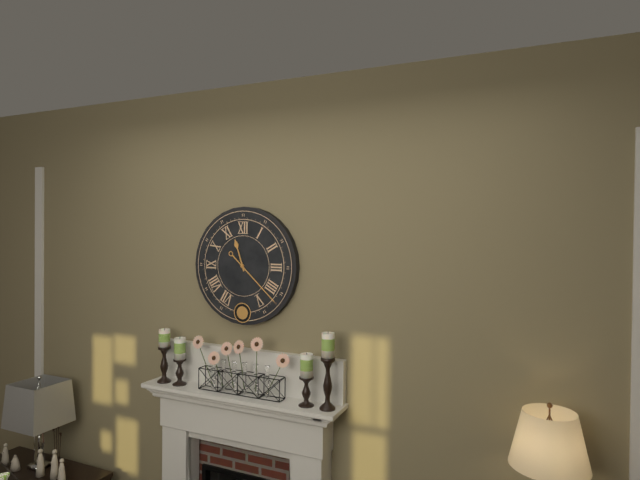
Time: {"hour": 11, "minute": 22}
